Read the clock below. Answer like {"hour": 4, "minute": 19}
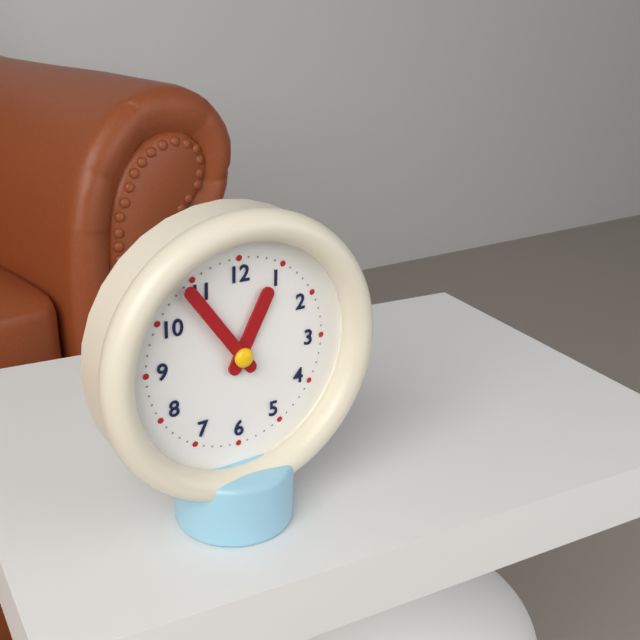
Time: {"hour": 12, "minute": 54}
